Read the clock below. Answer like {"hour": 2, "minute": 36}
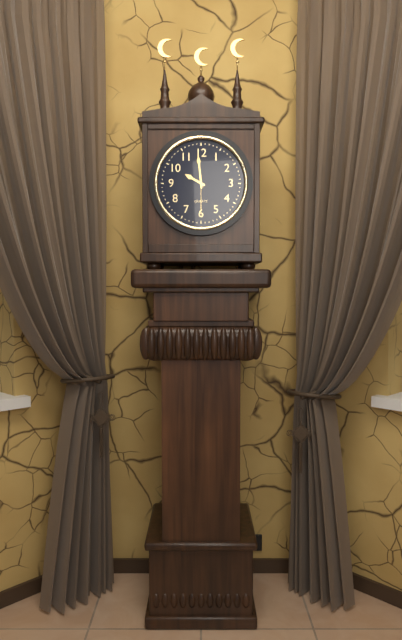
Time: {"hour": 9, "minute": 59}
